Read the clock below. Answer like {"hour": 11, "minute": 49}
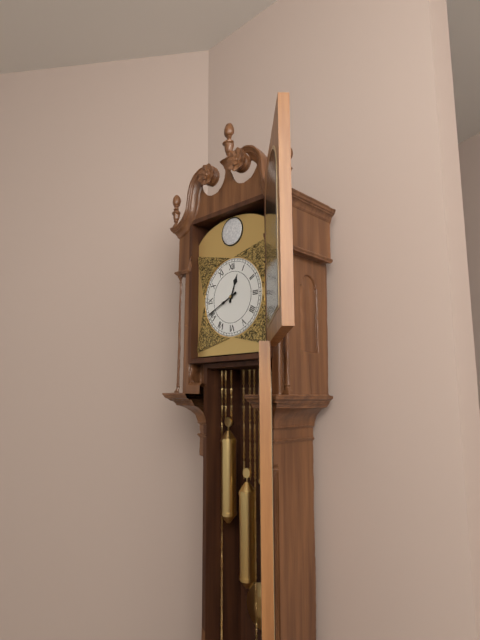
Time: {"hour": 12, "minute": 41}
